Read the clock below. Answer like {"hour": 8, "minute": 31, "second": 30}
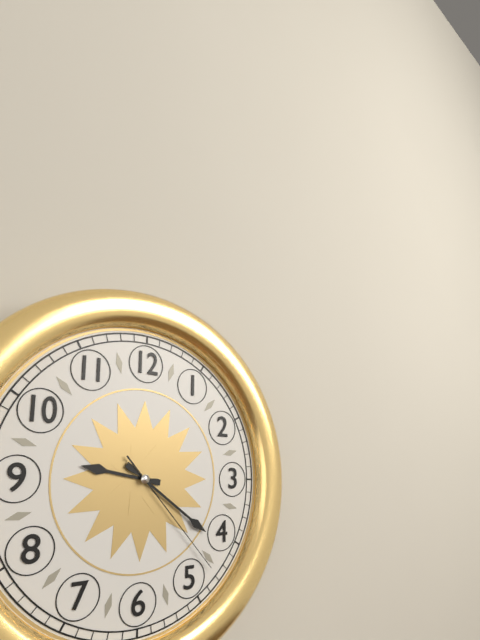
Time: {"hour": 9, "minute": 21, "second": 23}
